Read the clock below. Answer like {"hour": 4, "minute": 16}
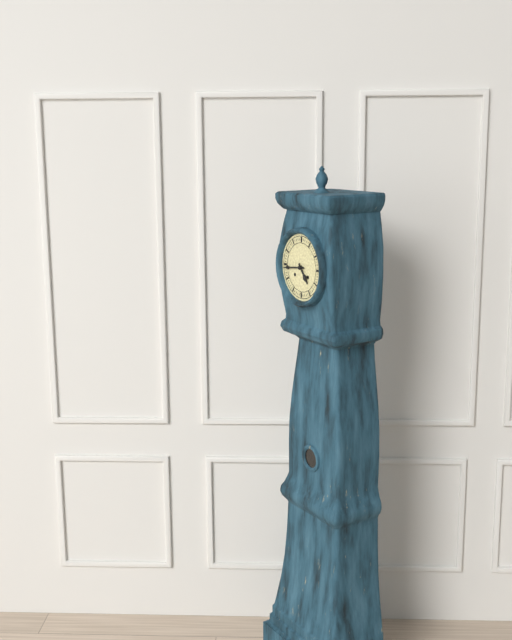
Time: {"hour": 4, "minute": 44}
